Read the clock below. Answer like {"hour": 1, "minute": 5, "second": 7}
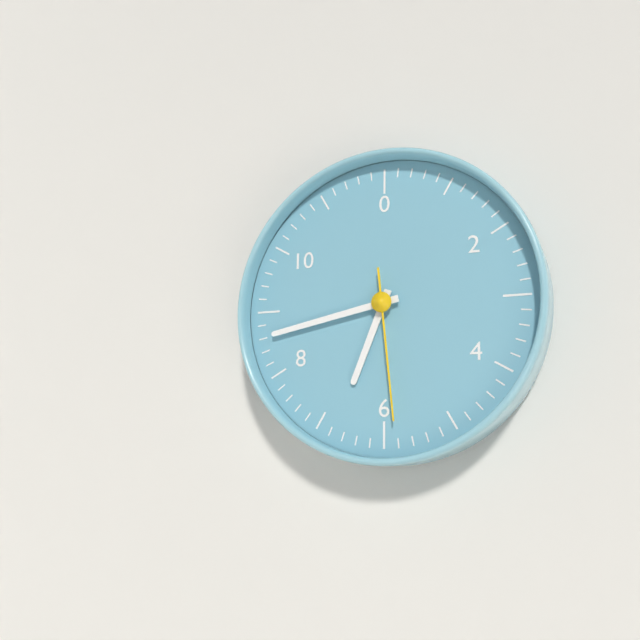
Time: {"hour": 6, "minute": 43, "second": 29}
